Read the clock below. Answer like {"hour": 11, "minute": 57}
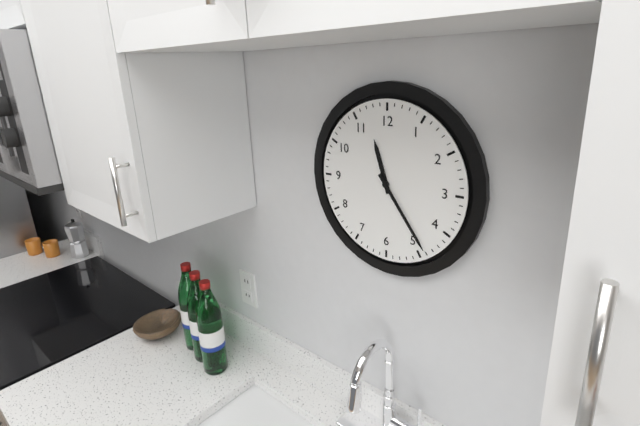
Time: {"hour": 11, "minute": 24}
